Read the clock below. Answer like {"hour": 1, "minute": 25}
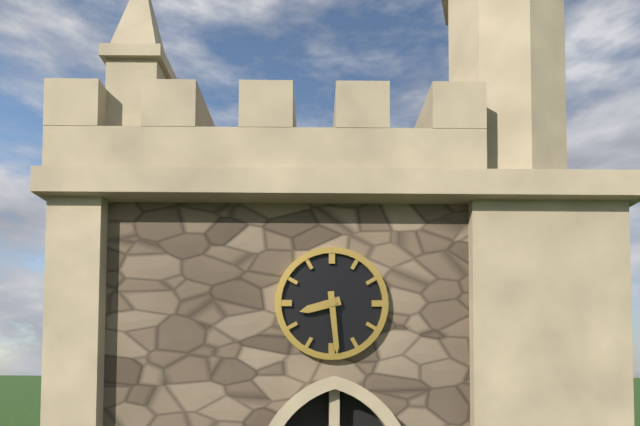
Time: {"hour": 8, "minute": 29}
